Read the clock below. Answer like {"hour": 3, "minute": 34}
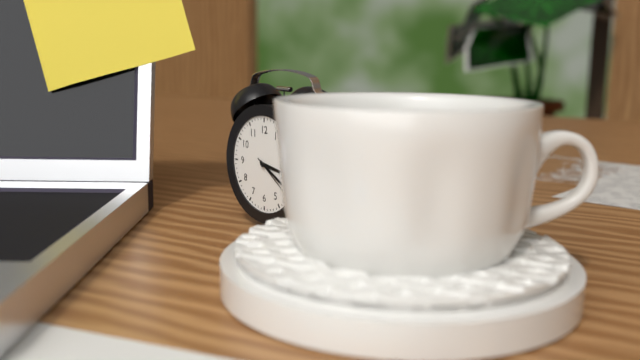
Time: {"hour": 3, "minute": 20}
